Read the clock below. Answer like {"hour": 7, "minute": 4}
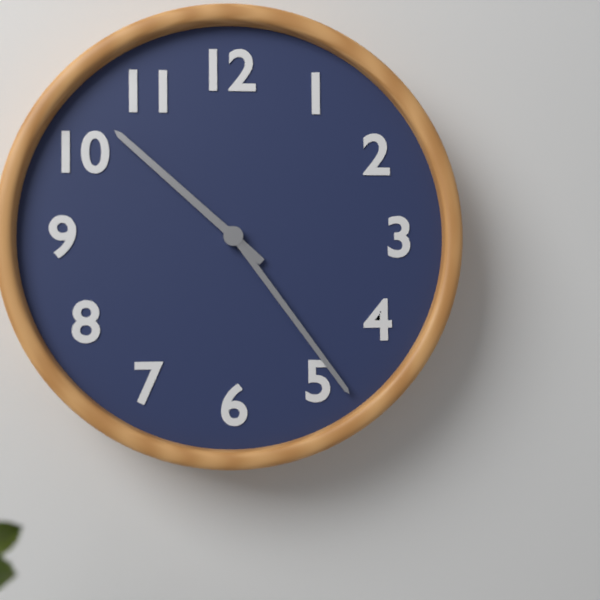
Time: {"hour": 10, "minute": 24}
